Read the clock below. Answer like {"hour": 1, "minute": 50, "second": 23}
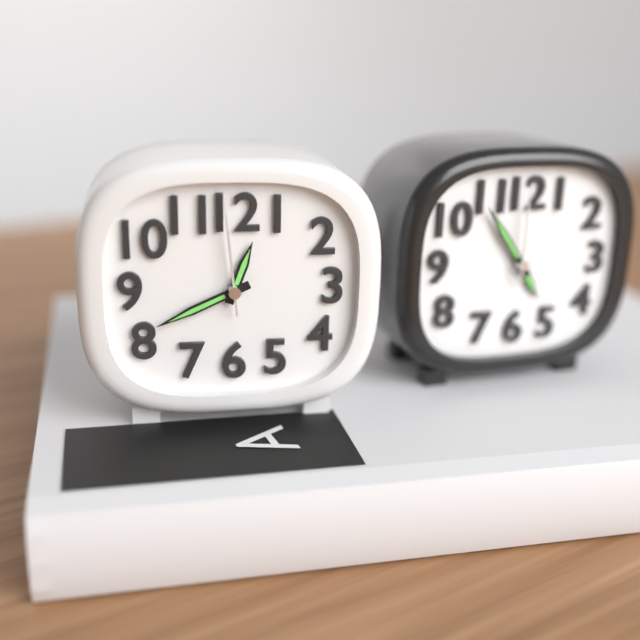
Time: {"hour": 12, "minute": 41, "second": 59}
